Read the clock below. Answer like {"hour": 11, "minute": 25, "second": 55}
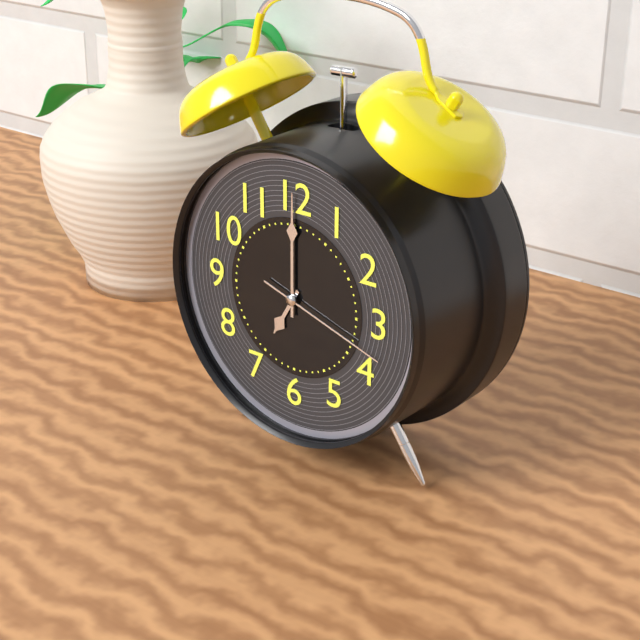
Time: {"hour": 7, "minute": 0, "second": 18}
